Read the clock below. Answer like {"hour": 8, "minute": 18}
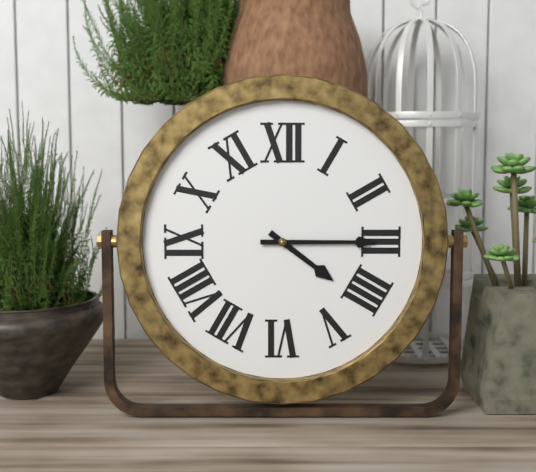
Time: {"hour": 4, "minute": 15}
